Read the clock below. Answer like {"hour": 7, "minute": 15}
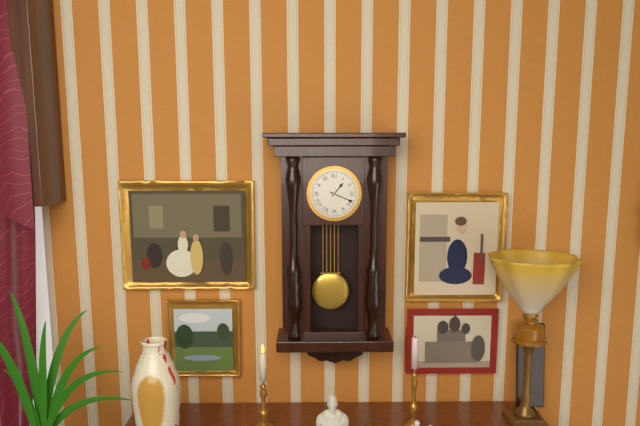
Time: {"hour": 1, "minute": 19}
